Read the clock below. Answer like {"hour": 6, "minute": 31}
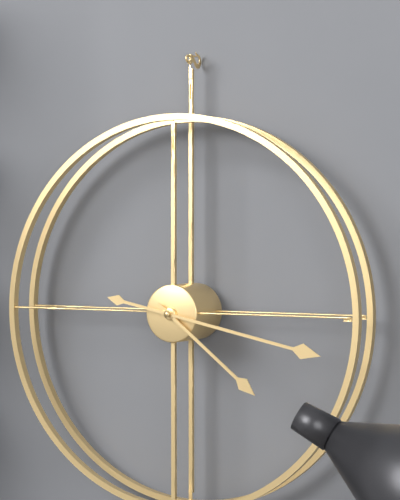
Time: {"hour": 4, "minute": 17}
